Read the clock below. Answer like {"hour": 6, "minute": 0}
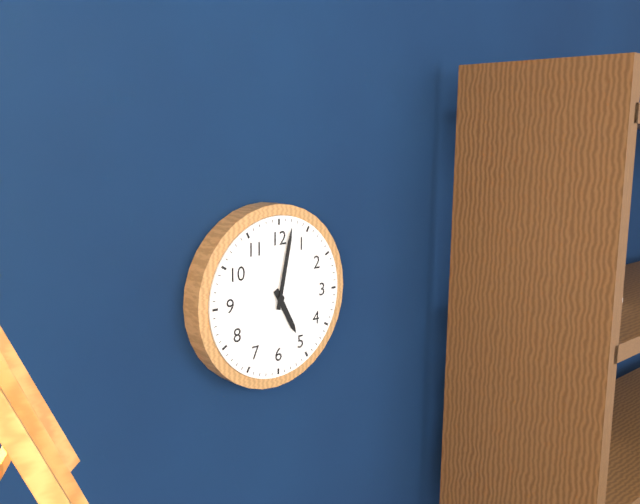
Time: {"hour": 5, "minute": 2}
